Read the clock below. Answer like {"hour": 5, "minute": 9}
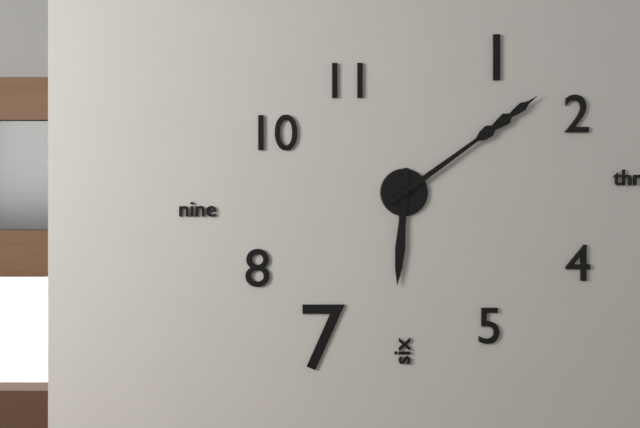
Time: {"hour": 6, "minute": 9}
